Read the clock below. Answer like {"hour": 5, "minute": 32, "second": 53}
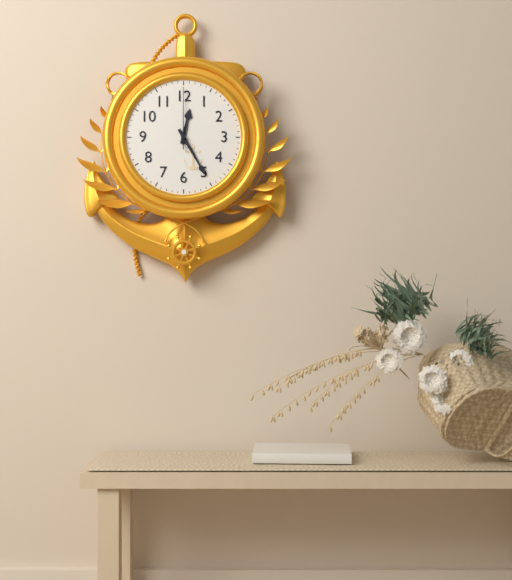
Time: {"hour": 12, "minute": 25, "second": 0}
